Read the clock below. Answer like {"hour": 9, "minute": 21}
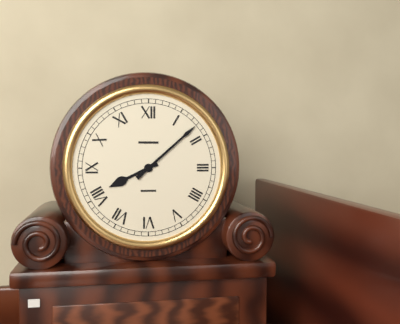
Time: {"hour": 8, "minute": 8}
